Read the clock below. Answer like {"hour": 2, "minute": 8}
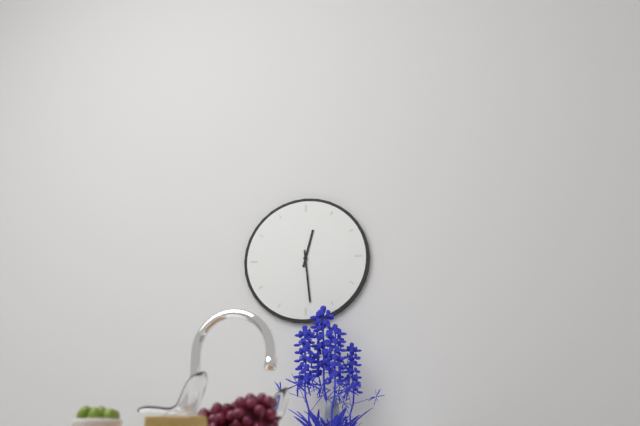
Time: {"hour": 12, "minute": 29}
